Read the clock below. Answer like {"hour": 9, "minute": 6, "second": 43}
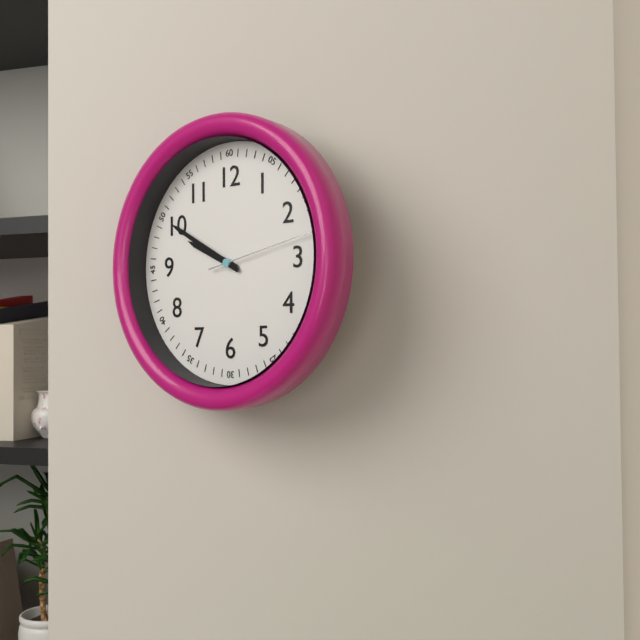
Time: {"hour": 9, "minute": 50, "second": 13}
